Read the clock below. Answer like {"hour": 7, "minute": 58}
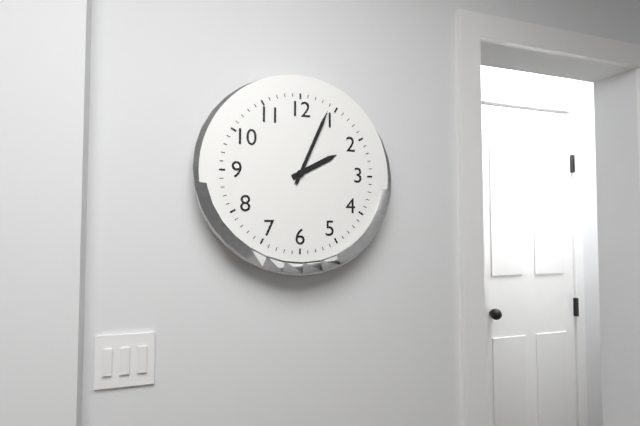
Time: {"hour": 2, "minute": 4}
